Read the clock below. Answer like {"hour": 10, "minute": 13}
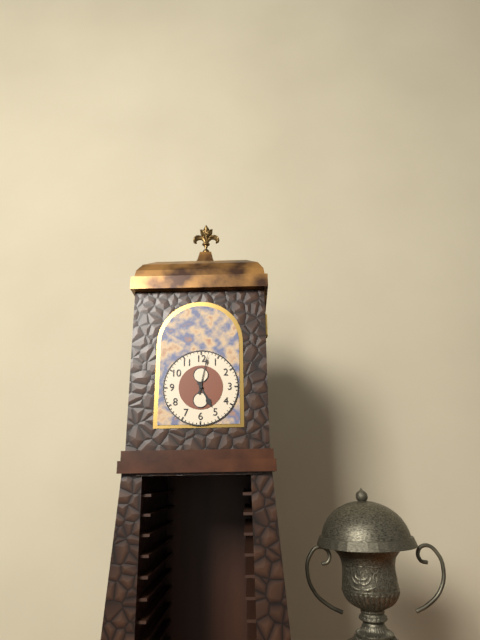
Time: {"hour": 5, "minute": 2}
